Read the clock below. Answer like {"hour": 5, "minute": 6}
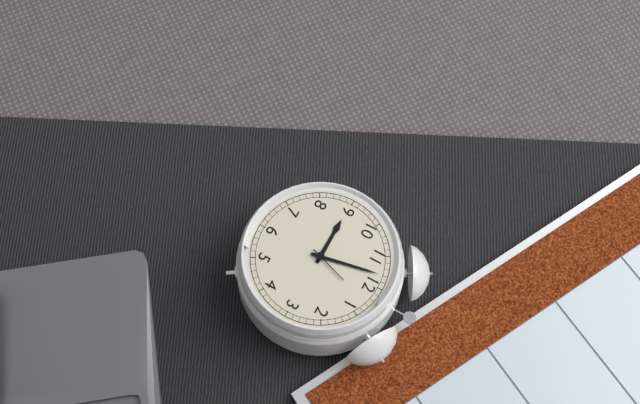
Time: {"hour": 8, "minute": 58}
